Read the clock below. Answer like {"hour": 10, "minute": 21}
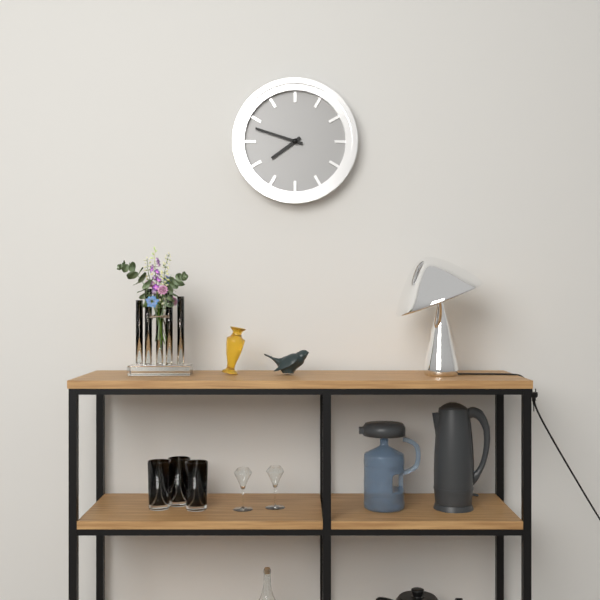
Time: {"hour": 7, "minute": 48}
